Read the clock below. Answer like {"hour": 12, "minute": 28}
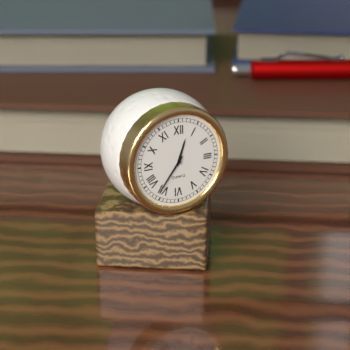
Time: {"hour": 12, "minute": 36}
